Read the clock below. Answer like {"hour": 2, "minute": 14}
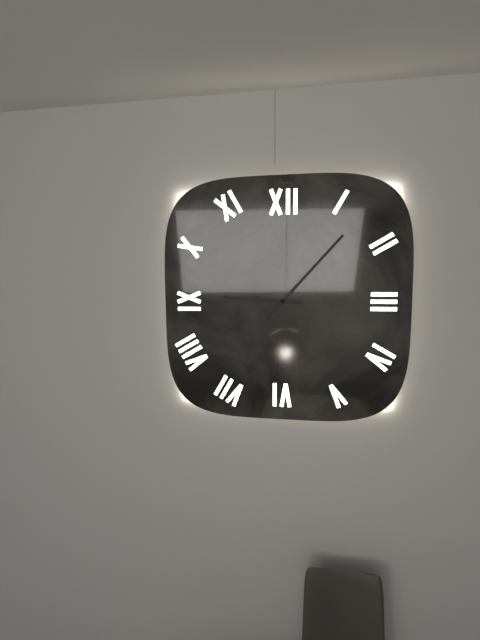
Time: {"hour": 9, "minute": 7}
